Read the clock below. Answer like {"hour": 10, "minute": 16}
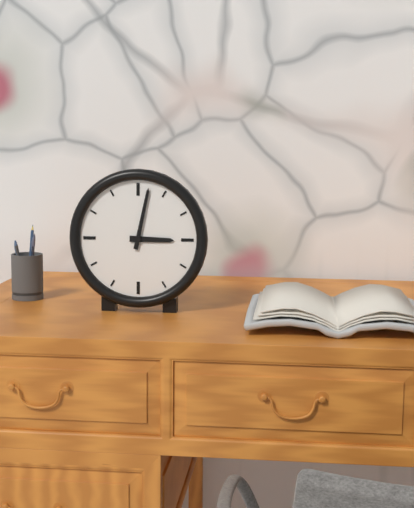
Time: {"hour": 3, "minute": 2}
